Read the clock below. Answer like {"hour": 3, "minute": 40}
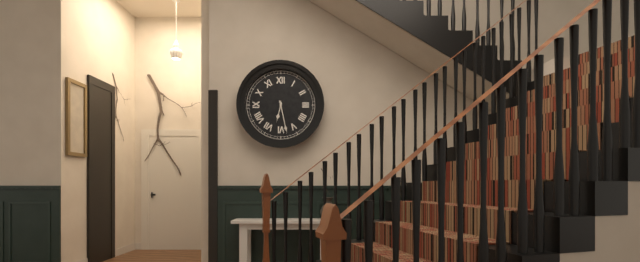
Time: {"hour": 6, "minute": 28}
